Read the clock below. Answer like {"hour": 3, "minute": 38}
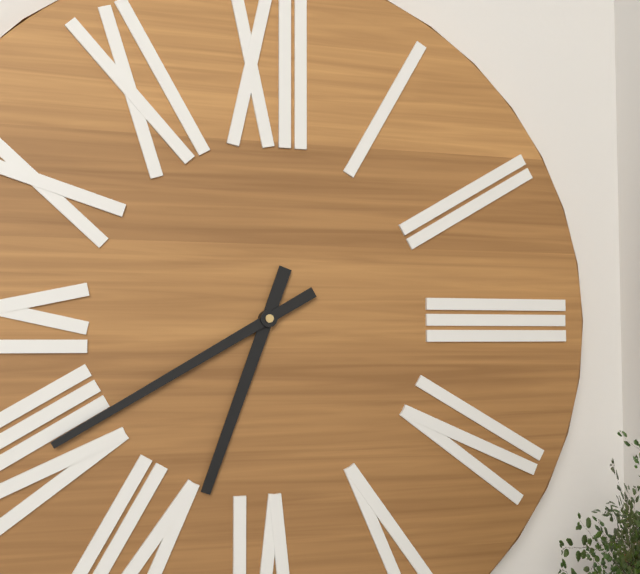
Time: {"hour": 6, "minute": 40}
